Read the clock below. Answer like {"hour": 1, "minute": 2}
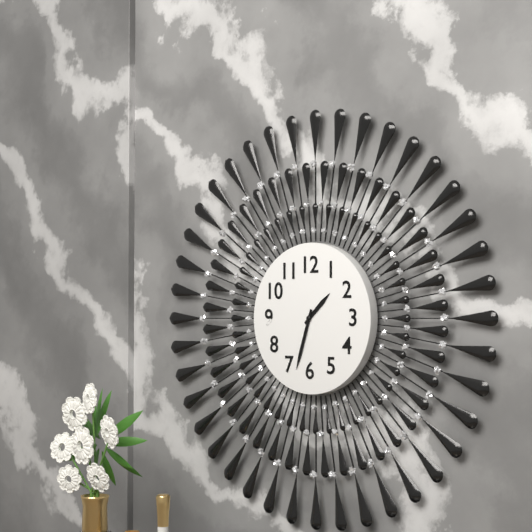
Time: {"hour": 1, "minute": 33}
